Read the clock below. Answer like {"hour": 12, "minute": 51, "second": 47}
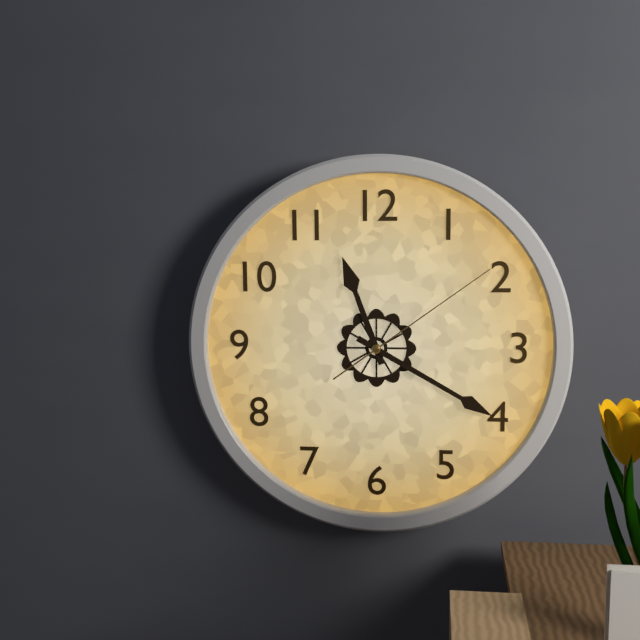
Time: {"hour": 11, "minute": 20, "second": 9}
